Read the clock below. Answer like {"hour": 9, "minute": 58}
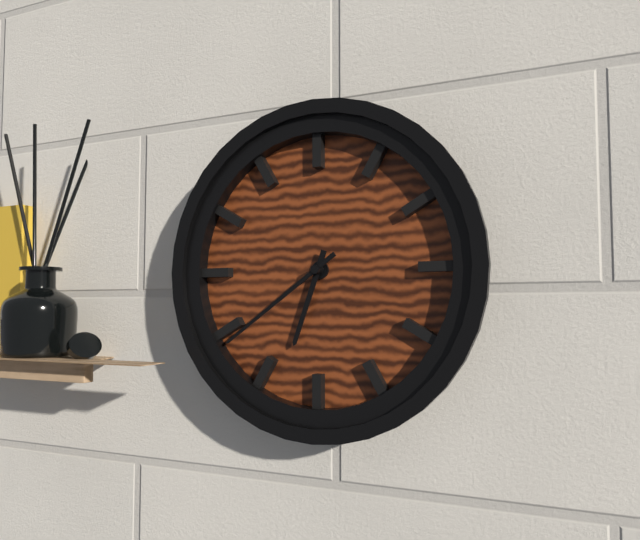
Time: {"hour": 6, "minute": 39}
